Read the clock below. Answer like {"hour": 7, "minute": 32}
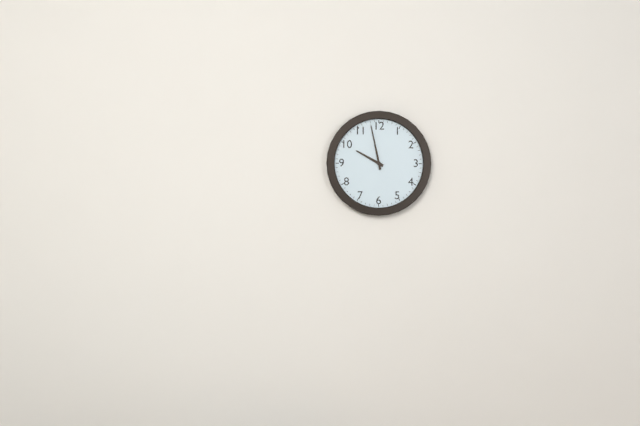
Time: {"hour": 9, "minute": 58}
